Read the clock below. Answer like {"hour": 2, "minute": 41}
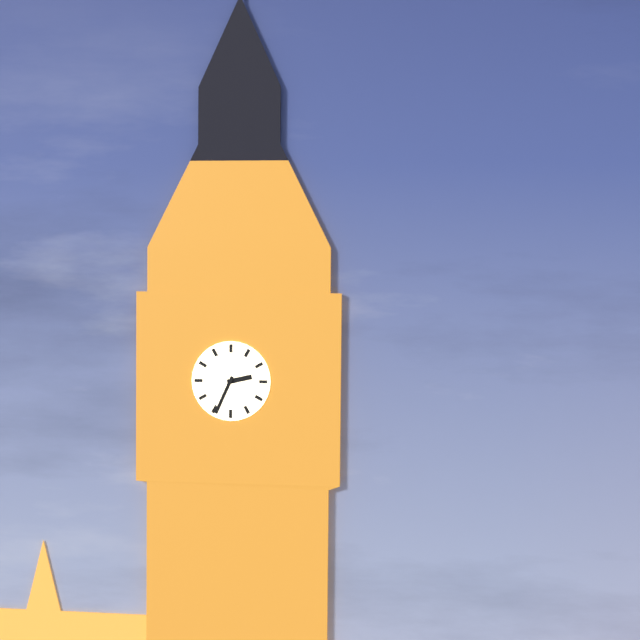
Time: {"hour": 2, "minute": 34}
